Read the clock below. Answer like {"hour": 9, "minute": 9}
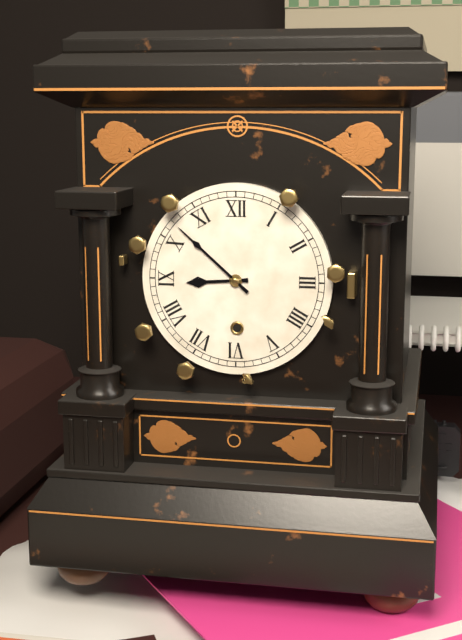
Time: {"hour": 8, "minute": 52}
